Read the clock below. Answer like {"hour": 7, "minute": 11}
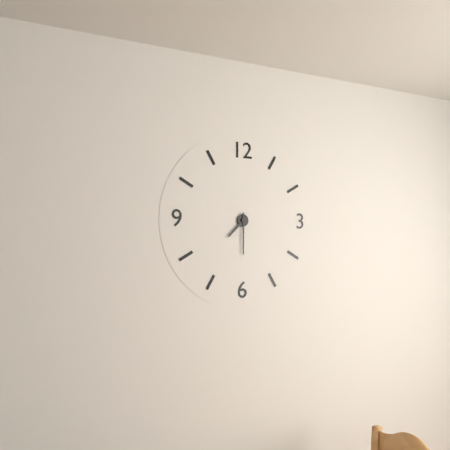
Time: {"hour": 7, "minute": 30}
